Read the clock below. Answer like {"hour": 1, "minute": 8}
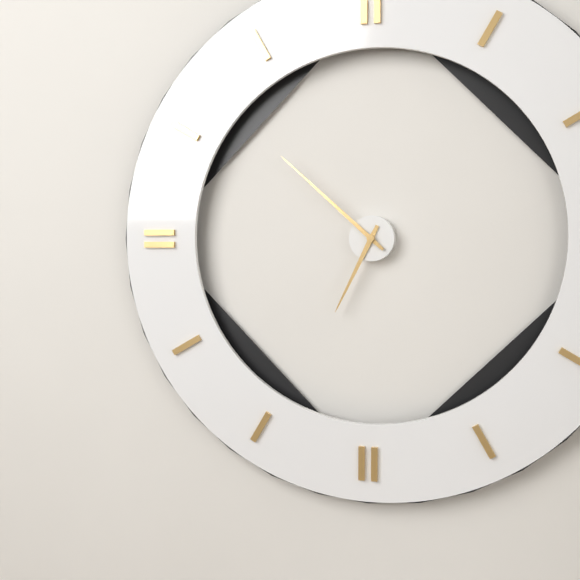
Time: {"hour": 6, "minute": 52}
